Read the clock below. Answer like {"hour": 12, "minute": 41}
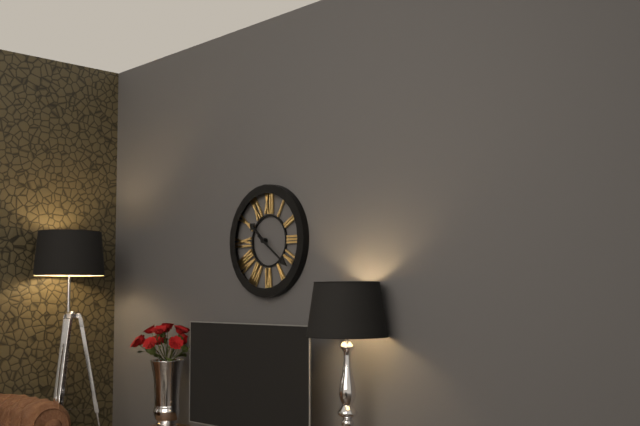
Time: {"hour": 10, "minute": 21}
